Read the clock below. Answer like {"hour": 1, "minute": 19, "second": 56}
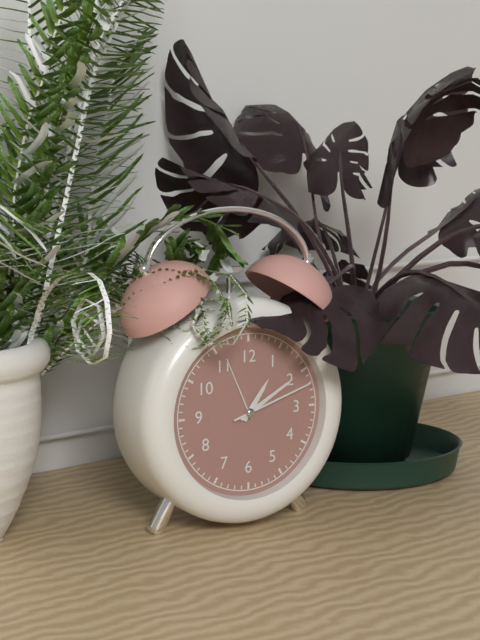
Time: {"hour": 1, "minute": 10, "second": 12}
